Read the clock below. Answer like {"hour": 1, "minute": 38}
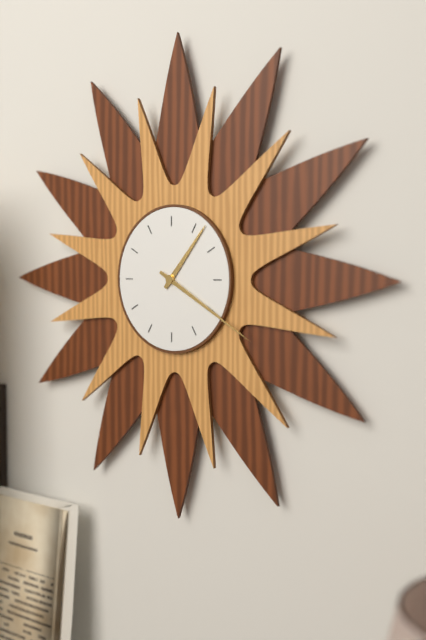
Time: {"hour": 1, "minute": 20}
